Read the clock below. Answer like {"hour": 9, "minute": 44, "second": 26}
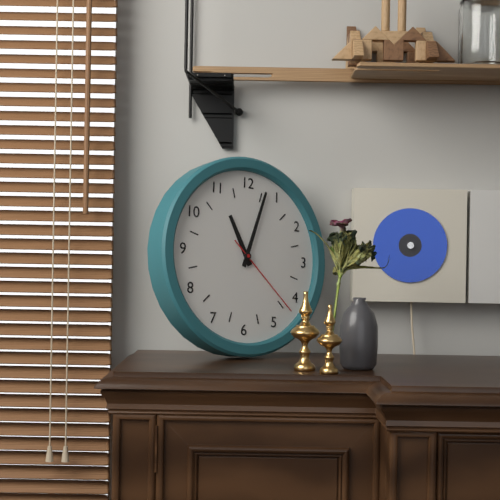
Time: {"hour": 11, "minute": 3, "second": 22}
